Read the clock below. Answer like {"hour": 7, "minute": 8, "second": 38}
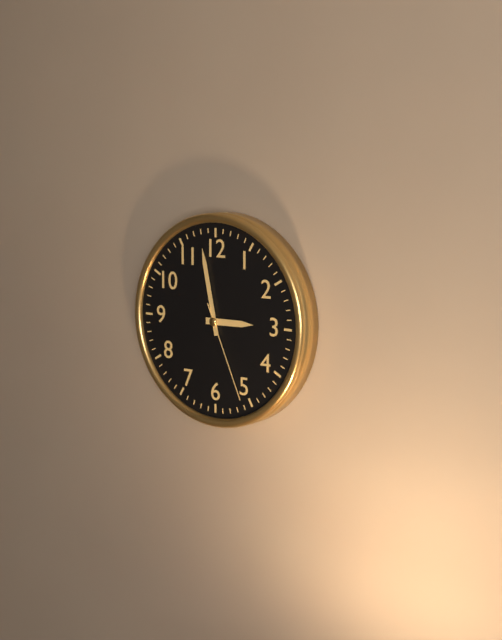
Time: {"hour": 2, "minute": 58, "second": 26}
